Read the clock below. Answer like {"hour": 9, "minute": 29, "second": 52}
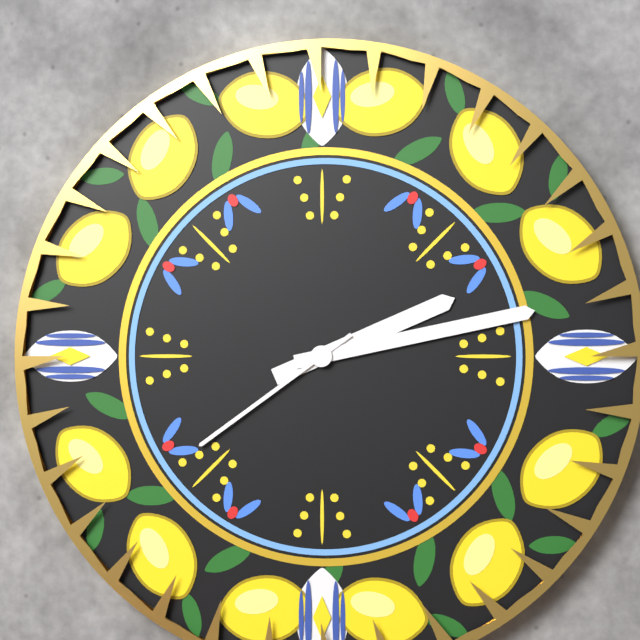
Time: {"hour": 2, "minute": 13, "second": 39}
